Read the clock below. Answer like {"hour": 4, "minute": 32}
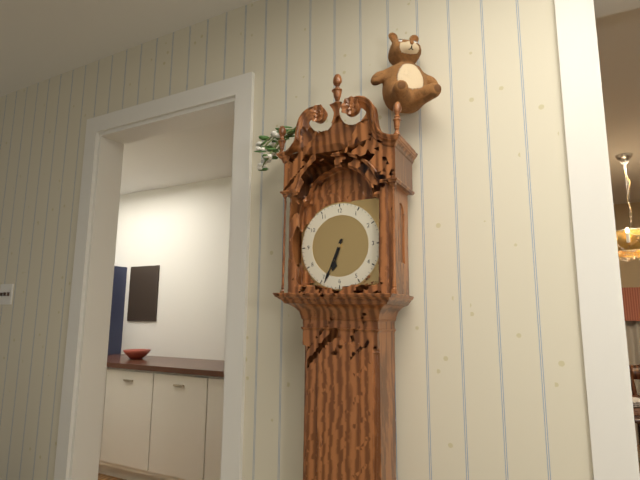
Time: {"hour": 6, "minute": 34}
